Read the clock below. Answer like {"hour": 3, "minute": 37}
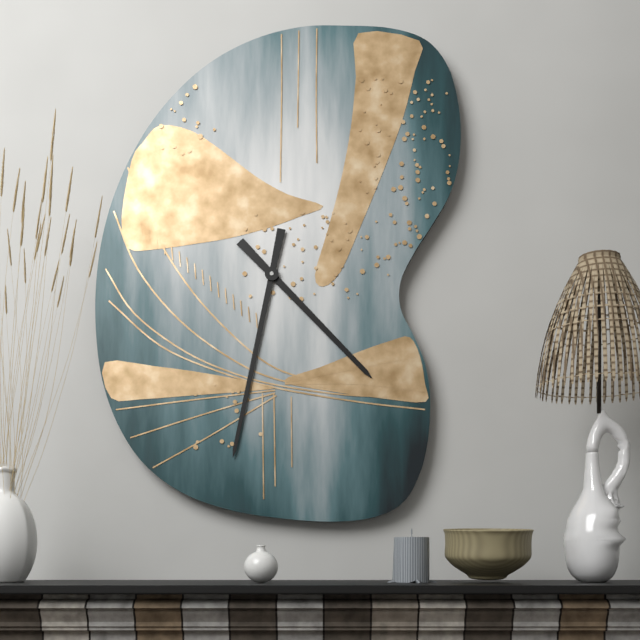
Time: {"hour": 4, "minute": 32}
